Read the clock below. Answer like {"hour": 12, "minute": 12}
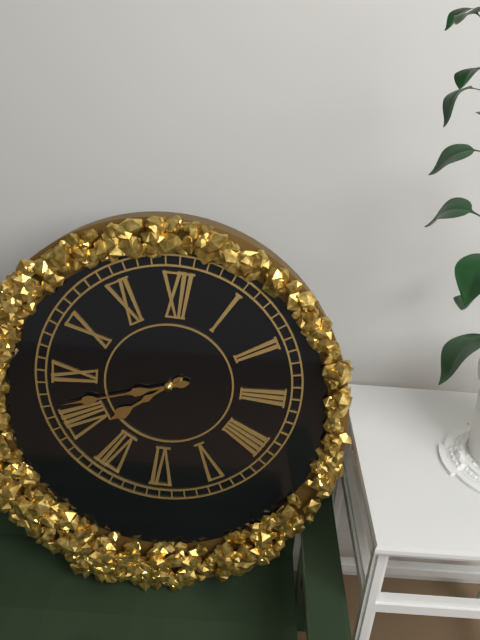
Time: {"hour": 7, "minute": 42}
